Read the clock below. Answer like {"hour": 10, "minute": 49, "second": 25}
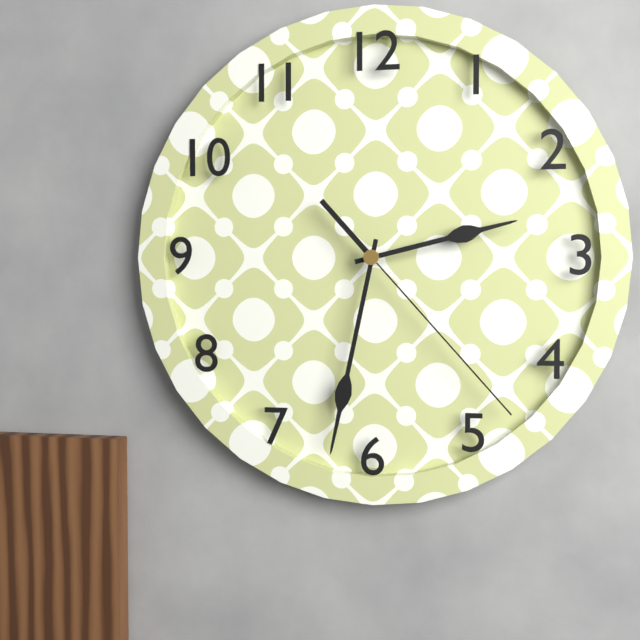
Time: {"hour": 2, "minute": 32, "second": 23}
